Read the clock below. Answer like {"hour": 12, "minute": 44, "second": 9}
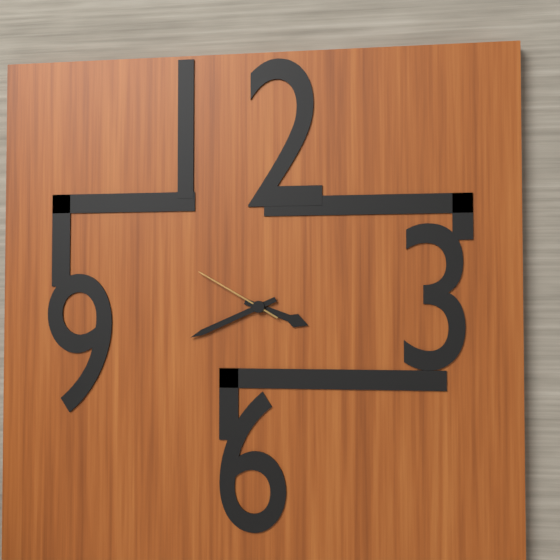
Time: {"hour": 3, "minute": 41, "second": 50}
